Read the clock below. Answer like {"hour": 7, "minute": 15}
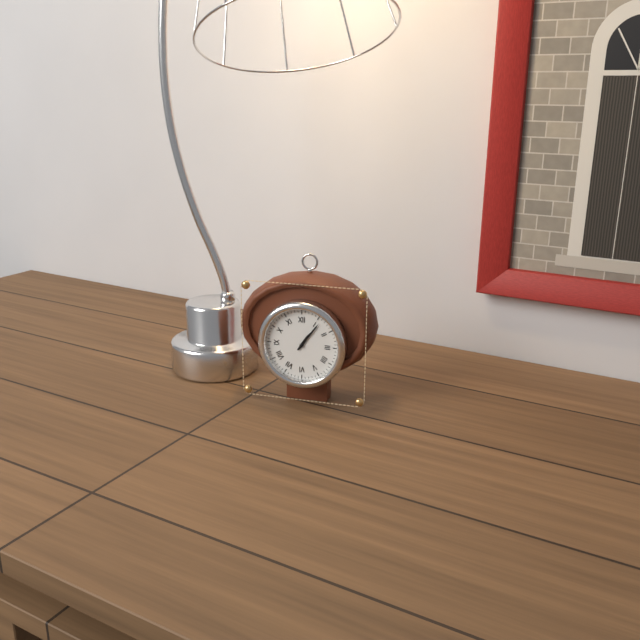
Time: {"hour": 1, "minute": 6}
